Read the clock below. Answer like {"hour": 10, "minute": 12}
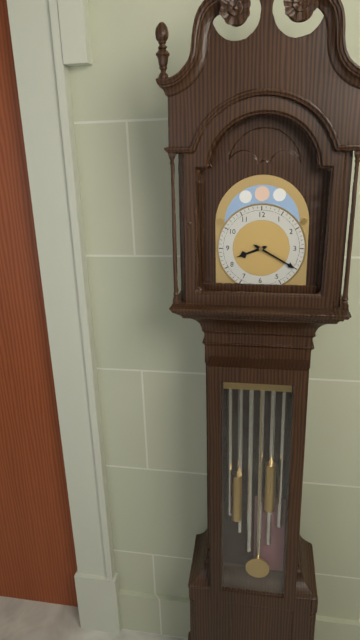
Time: {"hour": 8, "minute": 20}
